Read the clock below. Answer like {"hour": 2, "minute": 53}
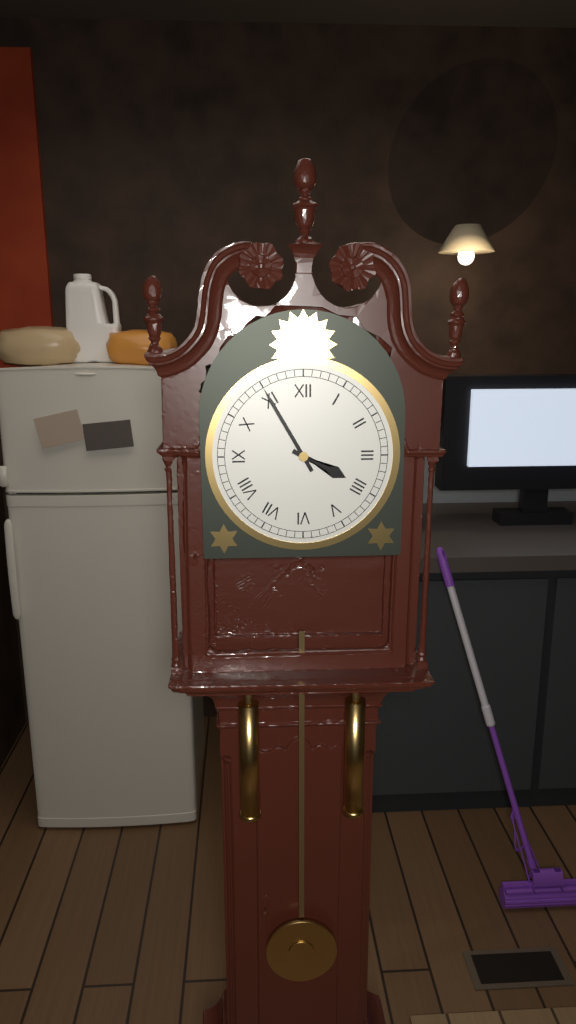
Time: {"hour": 3, "minute": 55}
